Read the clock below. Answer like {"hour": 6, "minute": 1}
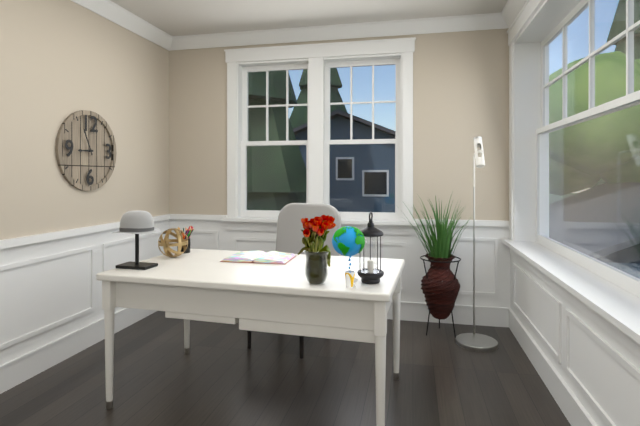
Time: {"hour": 8, "minute": 56}
